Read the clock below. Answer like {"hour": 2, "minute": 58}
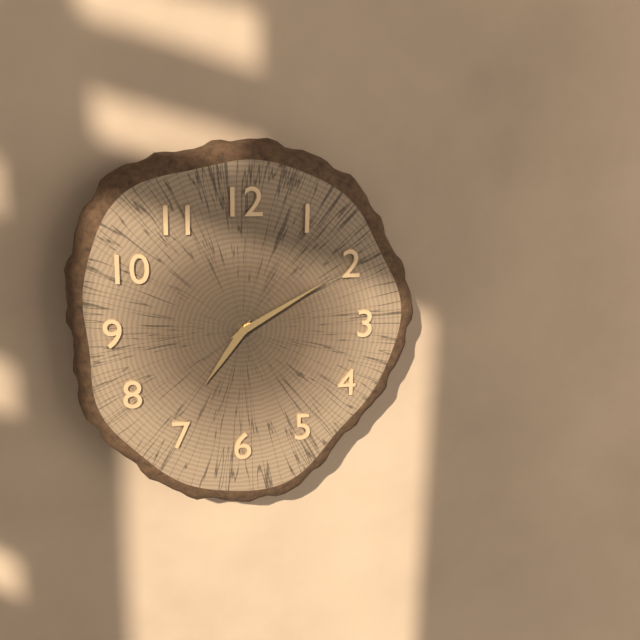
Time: {"hour": 7, "minute": 10}
